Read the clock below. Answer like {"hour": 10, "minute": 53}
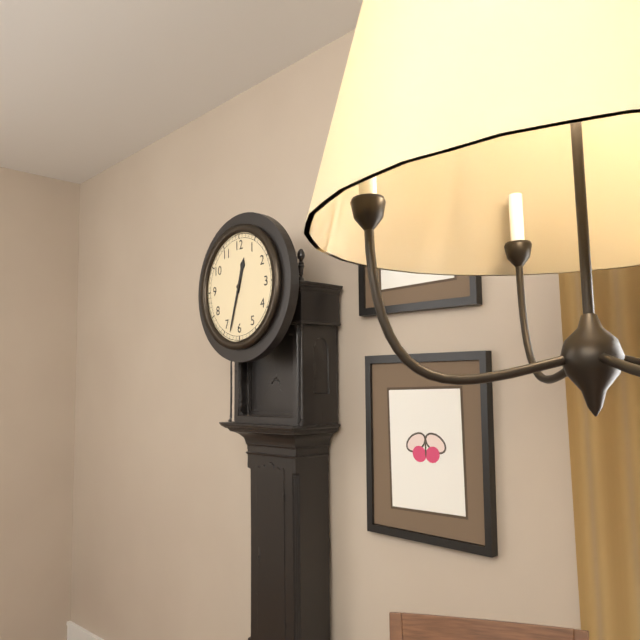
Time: {"hour": 12, "minute": 33}
